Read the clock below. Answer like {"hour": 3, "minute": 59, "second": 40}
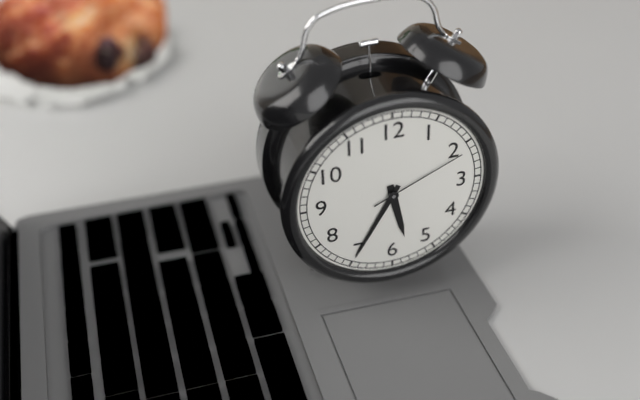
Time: {"hour": 5, "minute": 35, "second": 11}
